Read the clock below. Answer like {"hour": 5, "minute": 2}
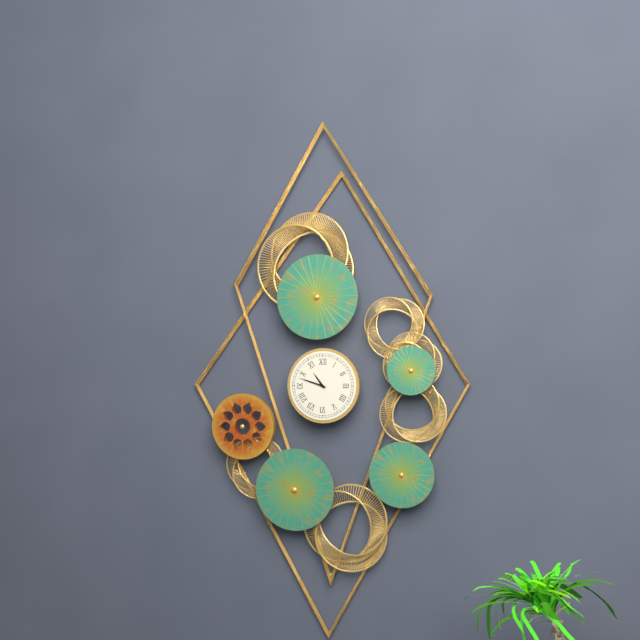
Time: {"hour": 10, "minute": 48}
